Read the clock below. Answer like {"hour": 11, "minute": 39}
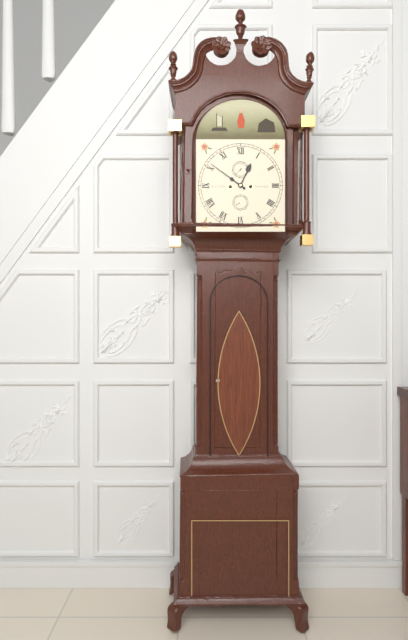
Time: {"hour": 12, "minute": 51}
